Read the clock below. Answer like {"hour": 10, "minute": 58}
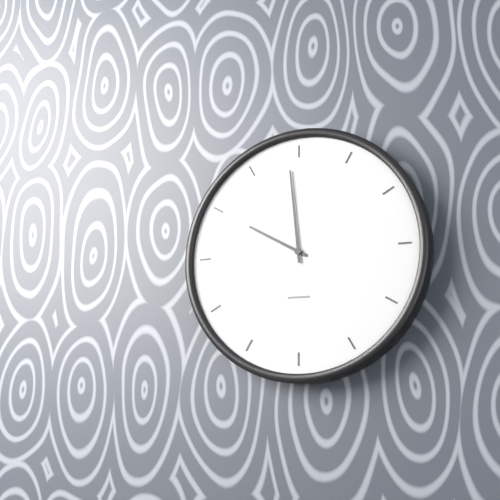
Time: {"hour": 9, "minute": 59}
